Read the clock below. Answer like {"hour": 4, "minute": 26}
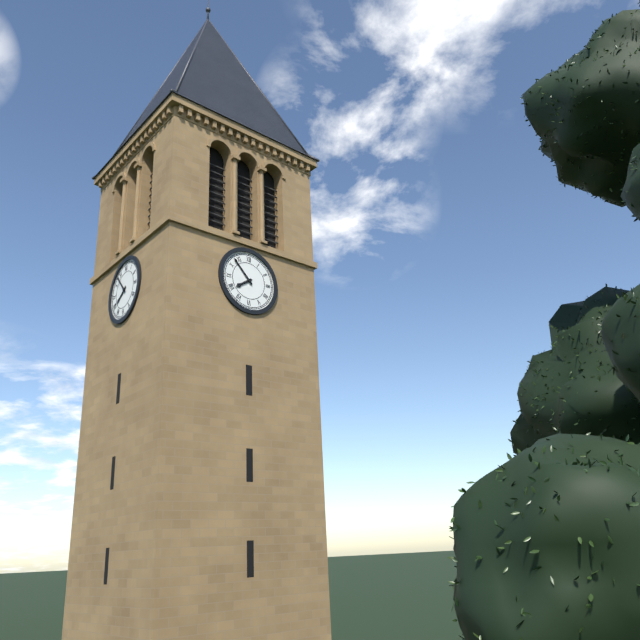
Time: {"hour": 7, "minute": 53}
